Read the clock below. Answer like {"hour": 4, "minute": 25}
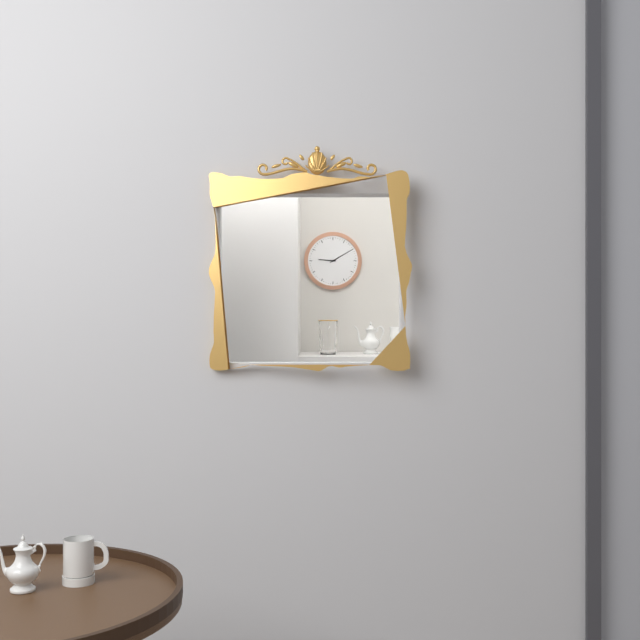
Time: {"hour": 9, "minute": 10}
